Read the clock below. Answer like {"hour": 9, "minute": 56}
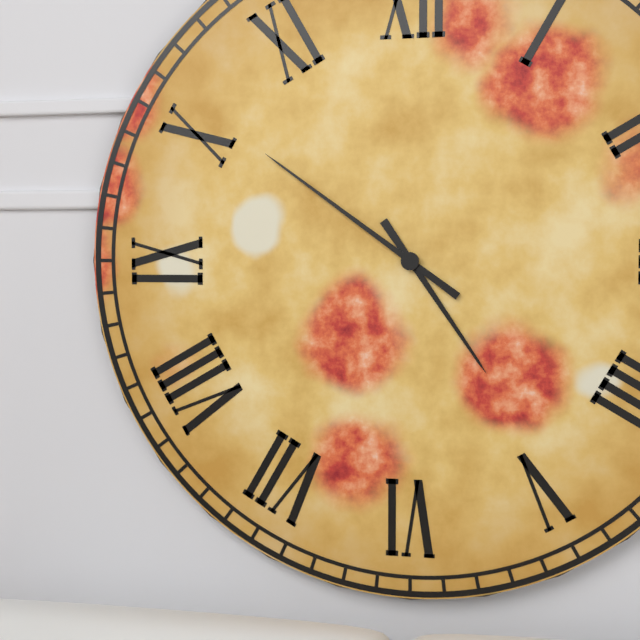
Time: {"hour": 4, "minute": 51}
